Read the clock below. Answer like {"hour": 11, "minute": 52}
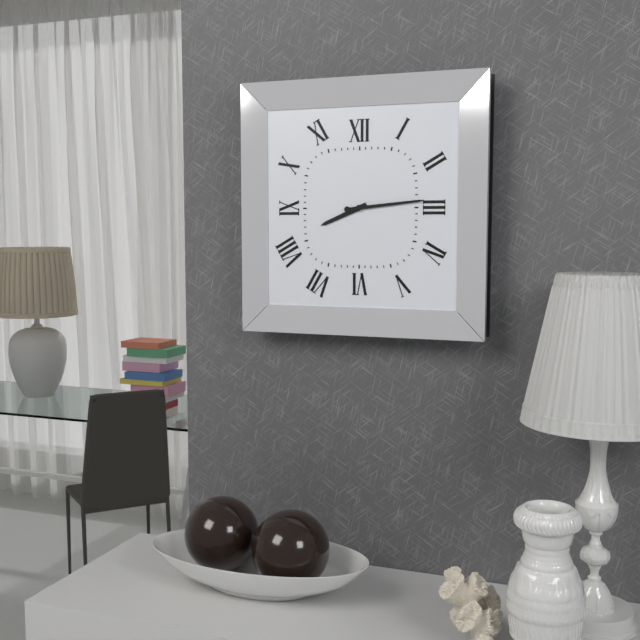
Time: {"hour": 8, "minute": 14}
